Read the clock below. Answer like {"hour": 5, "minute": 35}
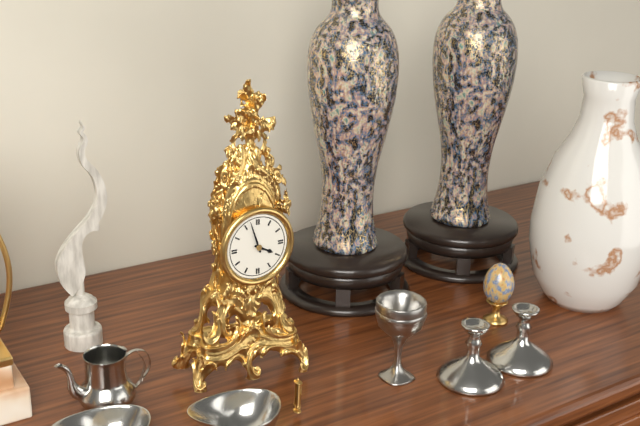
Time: {"hour": 3, "minute": 57}
